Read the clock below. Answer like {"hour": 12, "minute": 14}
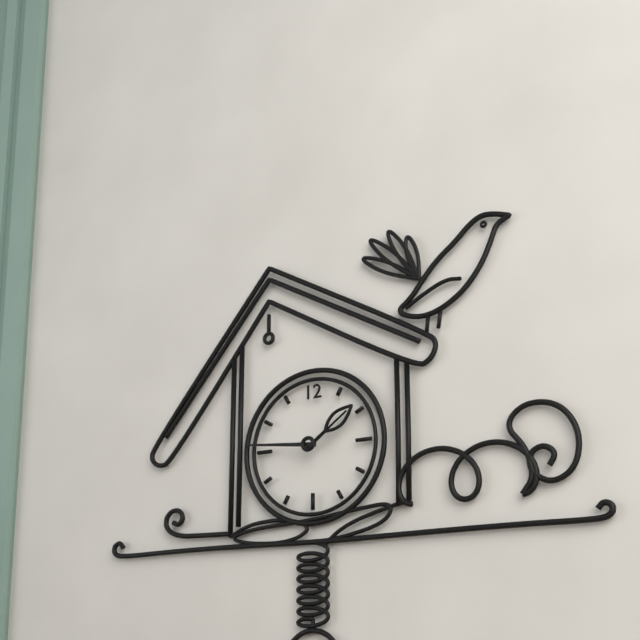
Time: {"hour": 1, "minute": 46}
